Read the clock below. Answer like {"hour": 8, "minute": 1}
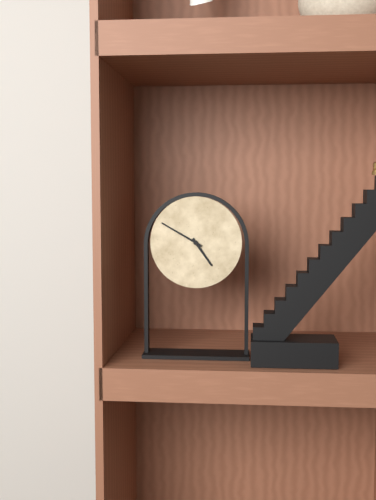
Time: {"hour": 4, "minute": 50}
